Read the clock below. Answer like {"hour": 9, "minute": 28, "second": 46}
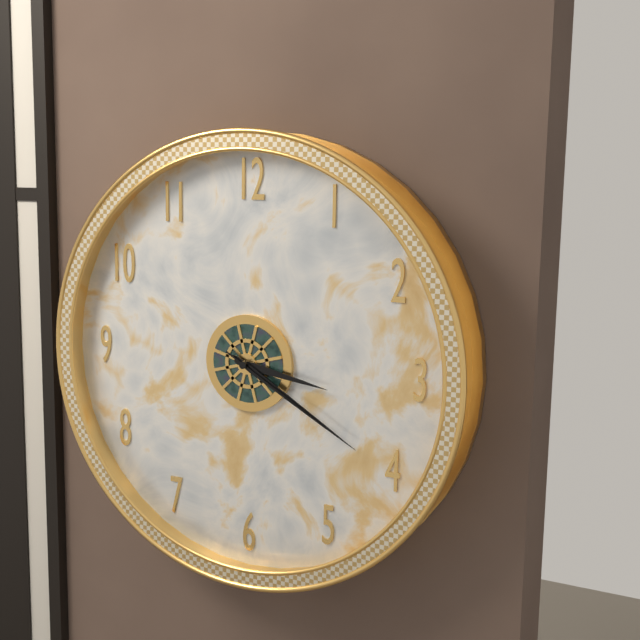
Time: {"hour": 3, "minute": 20, "second": 20}
